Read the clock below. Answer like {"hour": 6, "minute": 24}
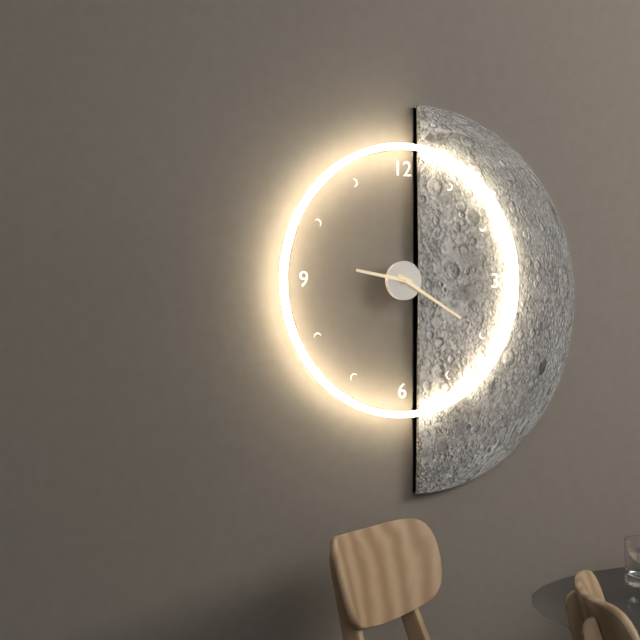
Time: {"hour": 9, "minute": 20}
